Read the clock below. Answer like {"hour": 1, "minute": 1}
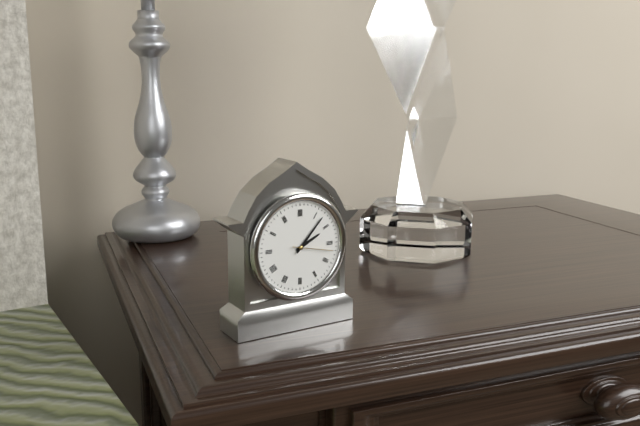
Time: {"hour": 2, "minute": 7}
